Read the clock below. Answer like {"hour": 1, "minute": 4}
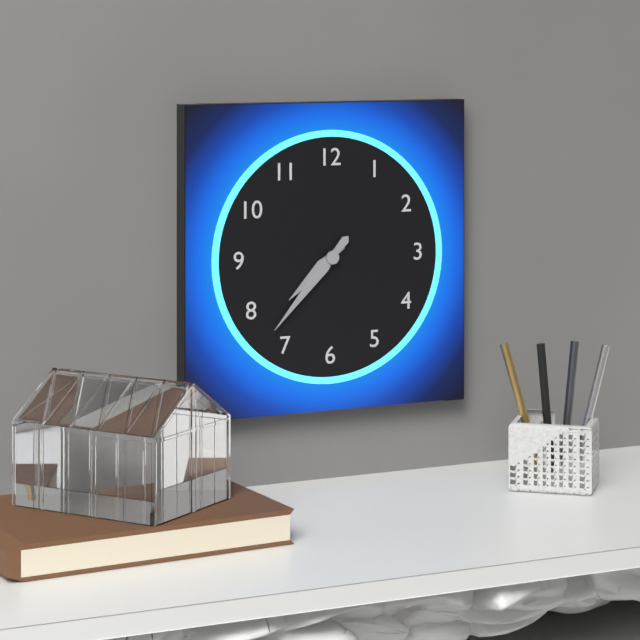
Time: {"hour": 7, "minute": 37}
